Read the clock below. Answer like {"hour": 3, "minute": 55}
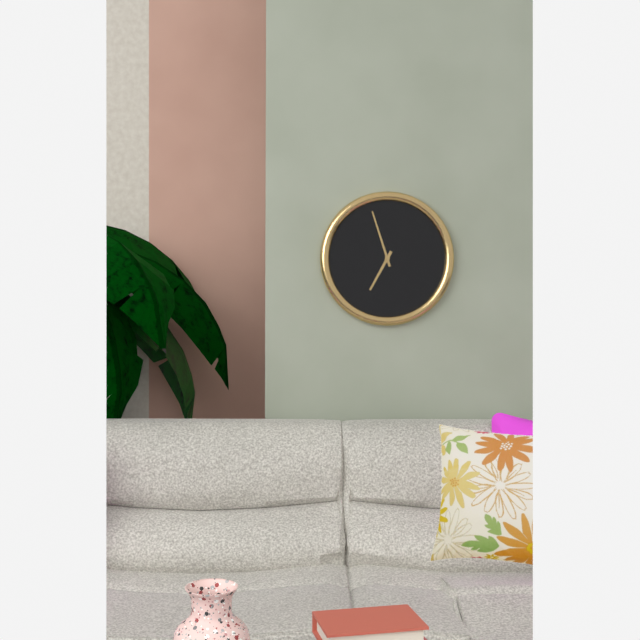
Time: {"hour": 6, "minute": 57}
